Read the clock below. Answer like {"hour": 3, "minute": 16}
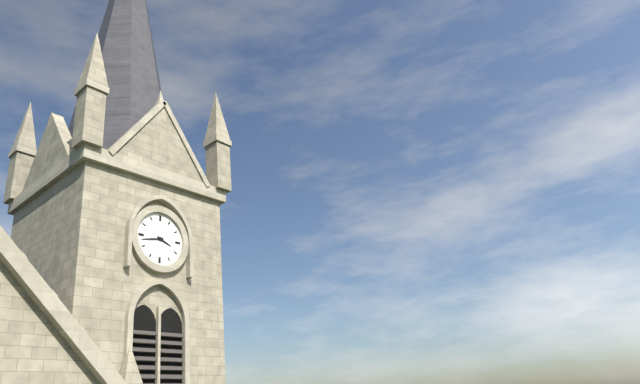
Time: {"hour": 3, "minute": 43}
